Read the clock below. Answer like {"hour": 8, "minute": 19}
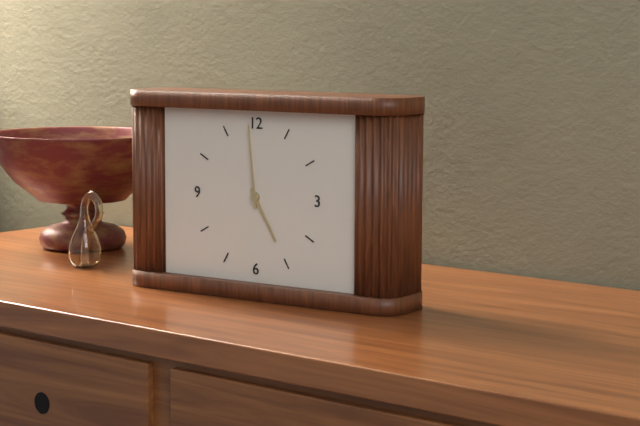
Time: {"hour": 4, "minute": 59}
